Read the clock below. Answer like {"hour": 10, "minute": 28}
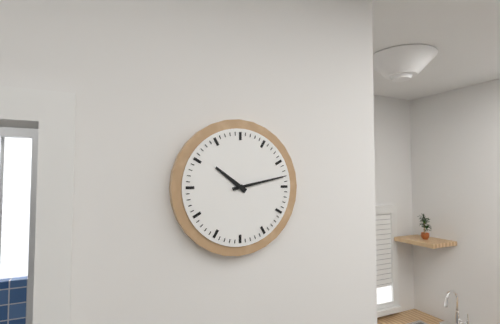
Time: {"hour": 10, "minute": 13}
